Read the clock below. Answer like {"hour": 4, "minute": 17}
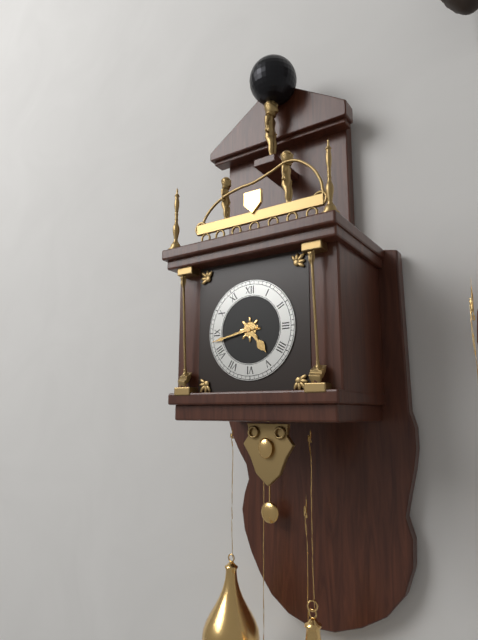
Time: {"hour": 4, "minute": 43}
